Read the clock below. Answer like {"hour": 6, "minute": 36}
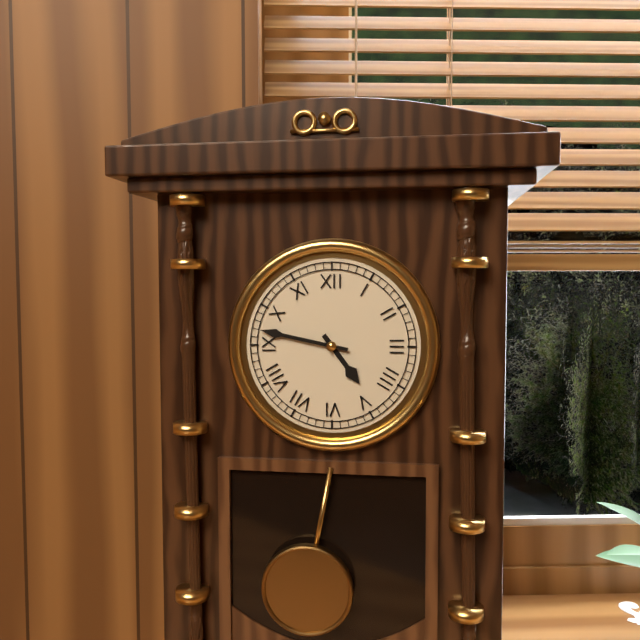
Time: {"hour": 4, "minute": 47}
